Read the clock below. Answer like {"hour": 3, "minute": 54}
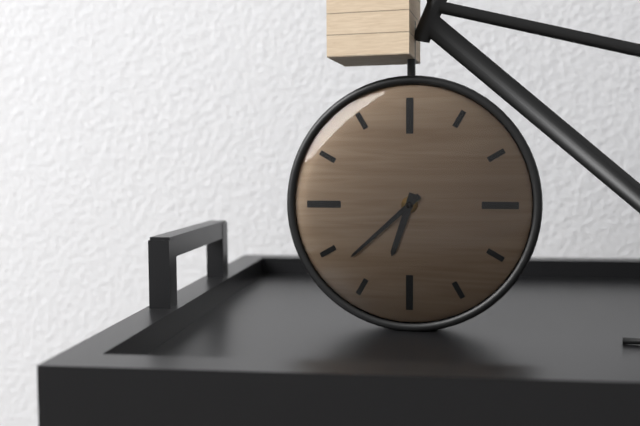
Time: {"hour": 6, "minute": 38}
